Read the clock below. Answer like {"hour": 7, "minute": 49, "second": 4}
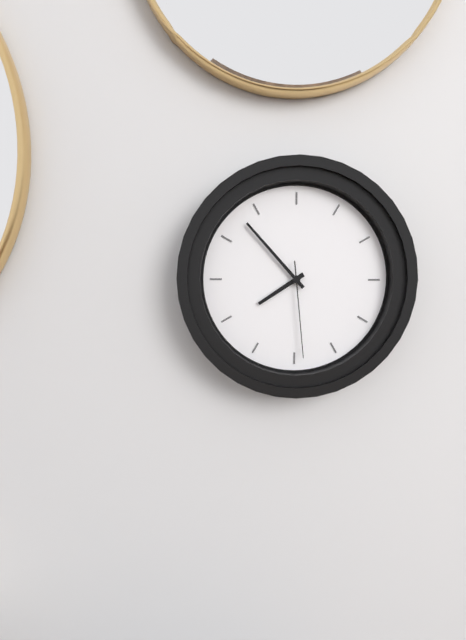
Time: {"hour": 7, "minute": 53, "second": 29}
